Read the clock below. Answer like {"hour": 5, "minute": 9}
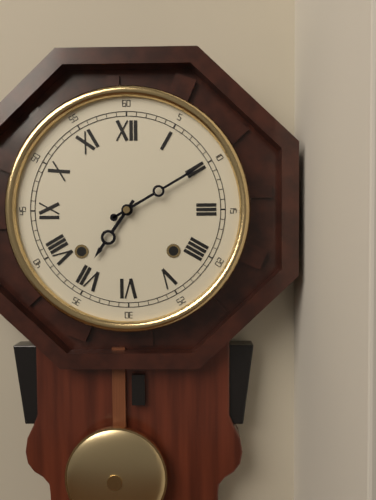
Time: {"hour": 7, "minute": 10}
